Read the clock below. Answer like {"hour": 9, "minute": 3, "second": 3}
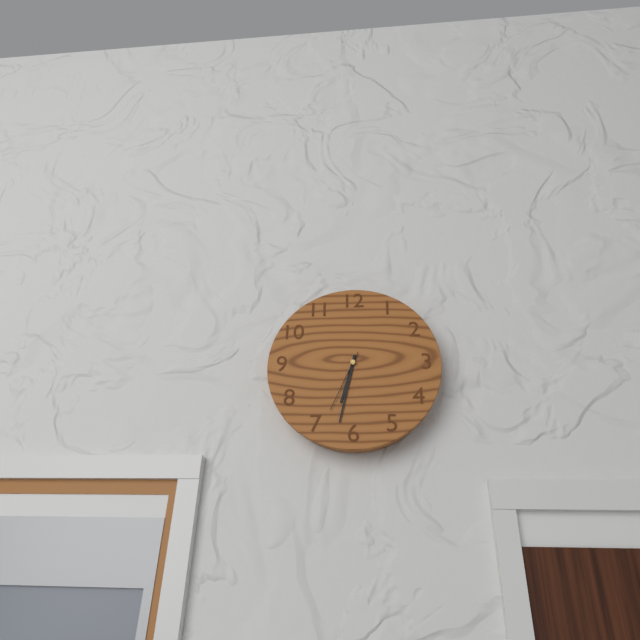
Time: {"hour": 6, "minute": 32, "second": 34}
